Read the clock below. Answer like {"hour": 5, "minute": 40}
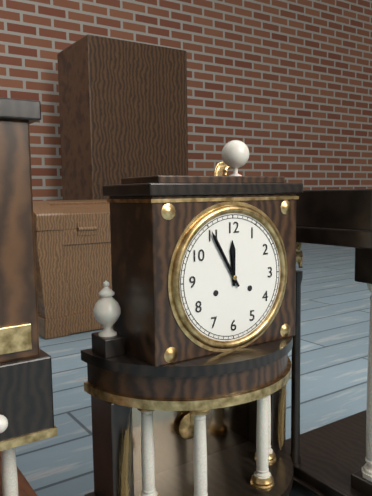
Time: {"hour": 11, "minute": 55}
